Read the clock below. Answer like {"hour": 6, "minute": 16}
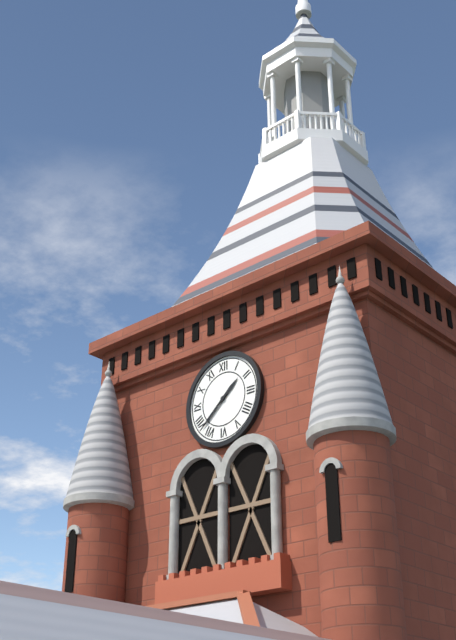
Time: {"hour": 1, "minute": 38}
